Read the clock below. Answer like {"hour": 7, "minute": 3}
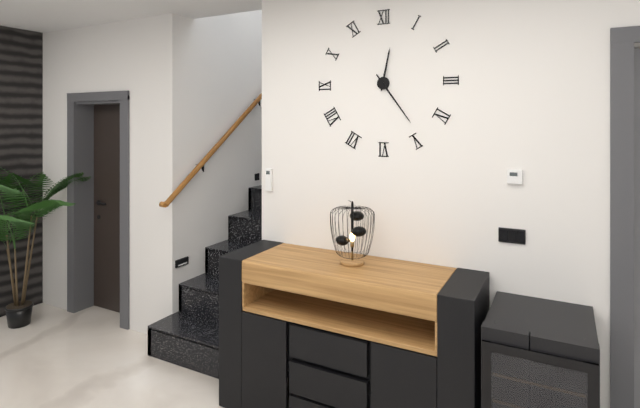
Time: {"hour": 12, "minute": 24}
